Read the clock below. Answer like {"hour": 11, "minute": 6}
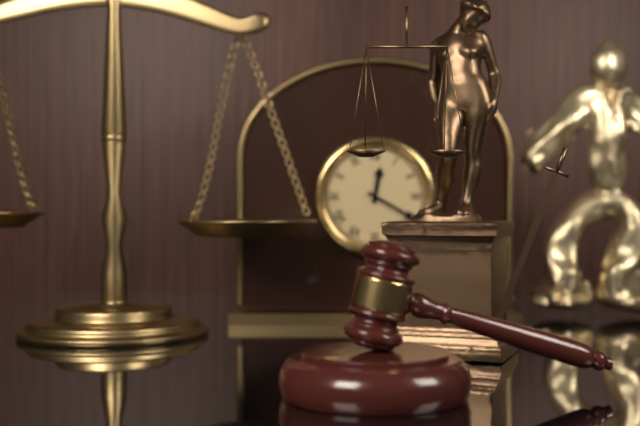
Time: {"hour": 12, "minute": 20}
